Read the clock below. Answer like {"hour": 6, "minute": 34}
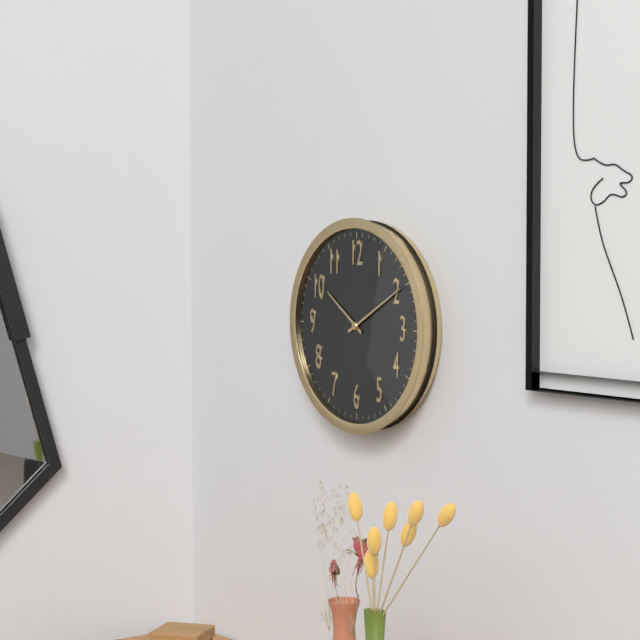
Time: {"hour": 10, "minute": 10}
